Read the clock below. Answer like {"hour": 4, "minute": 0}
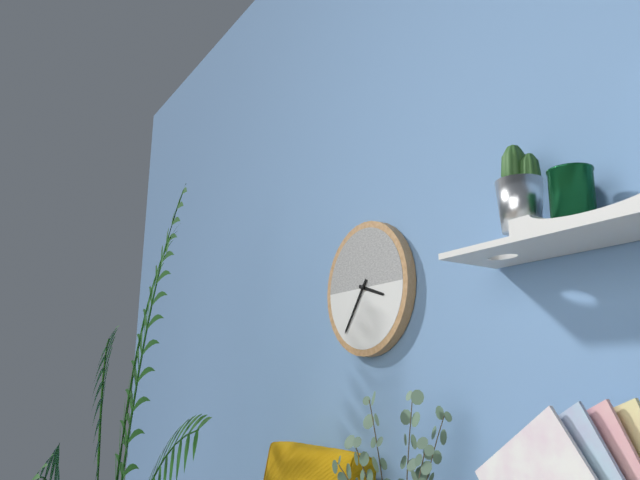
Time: {"hour": 3, "minute": 36}
